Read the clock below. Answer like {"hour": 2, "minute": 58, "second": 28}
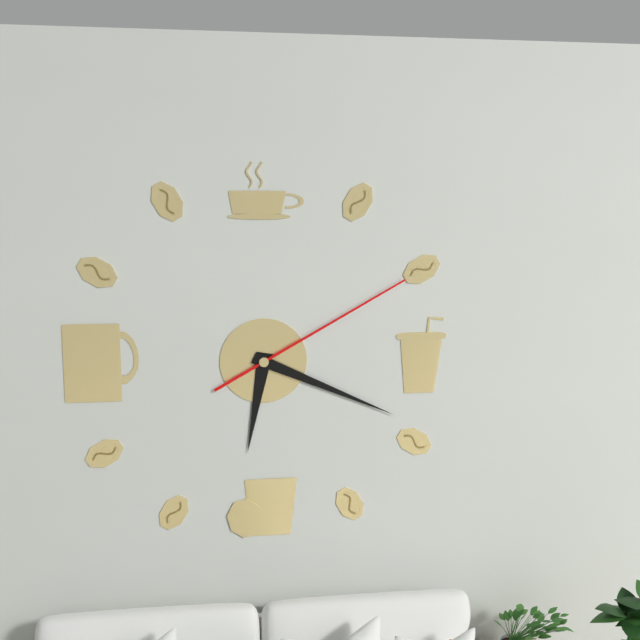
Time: {"hour": 6, "minute": 19, "second": 10}
